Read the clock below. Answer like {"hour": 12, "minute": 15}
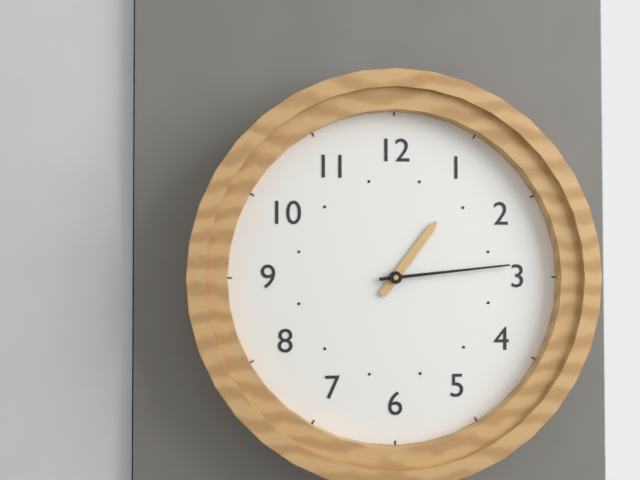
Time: {"hour": 1, "minute": 14}
